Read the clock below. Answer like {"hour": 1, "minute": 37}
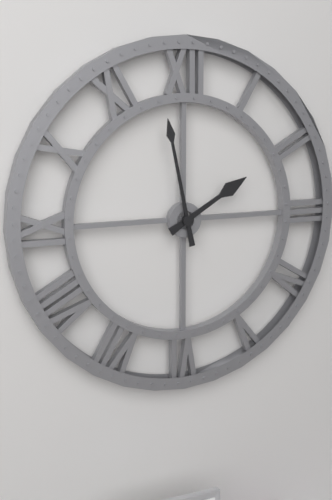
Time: {"hour": 1, "minute": 58}
